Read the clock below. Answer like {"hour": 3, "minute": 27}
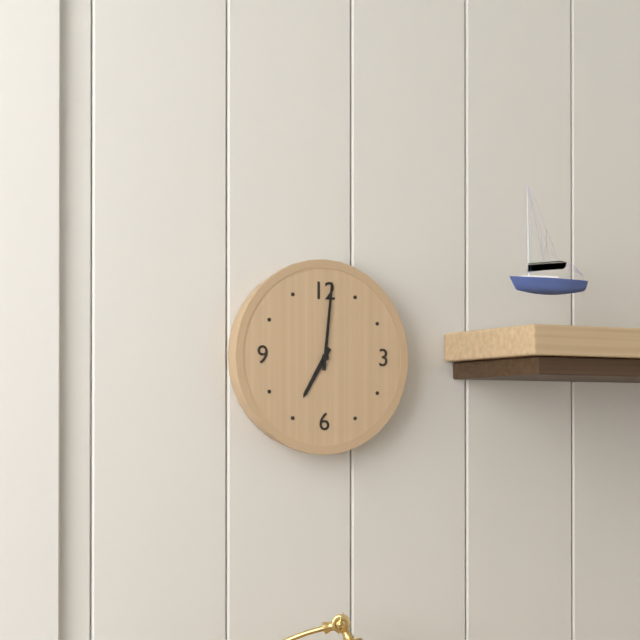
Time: {"hour": 7, "minute": 1}
